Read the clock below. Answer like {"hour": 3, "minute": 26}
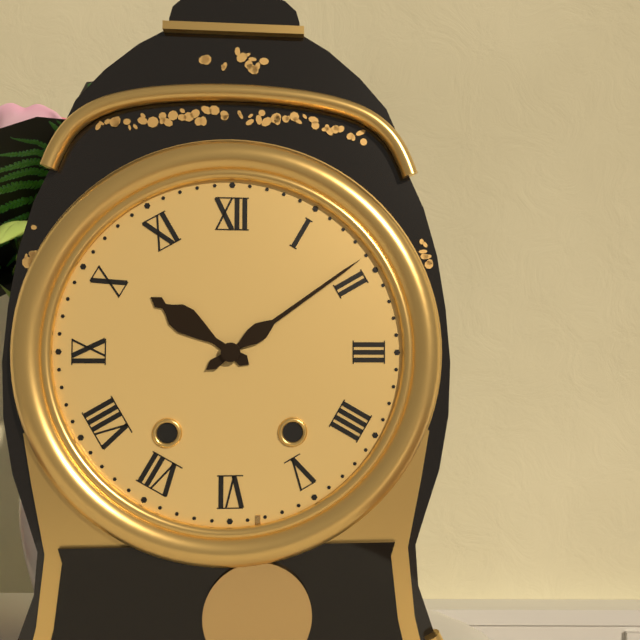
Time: {"hour": 10, "minute": 9}
